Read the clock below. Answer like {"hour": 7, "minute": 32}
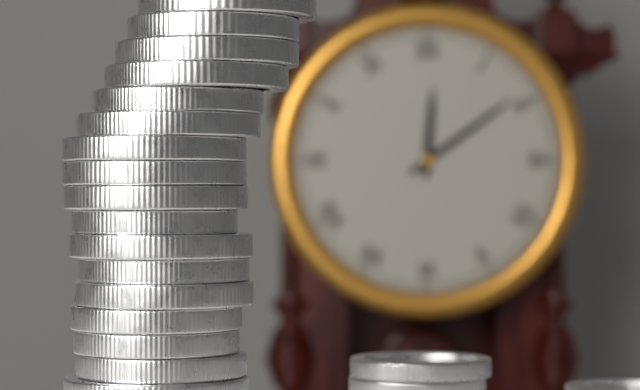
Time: {"hour": 12, "minute": 9}
